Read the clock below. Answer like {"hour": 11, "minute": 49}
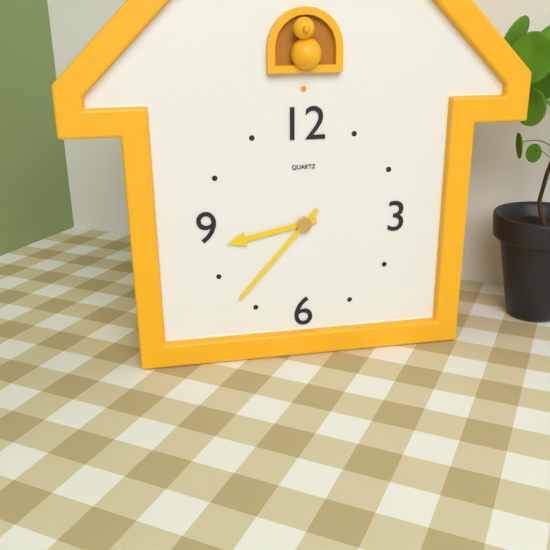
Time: {"hour": 8, "minute": 37}
